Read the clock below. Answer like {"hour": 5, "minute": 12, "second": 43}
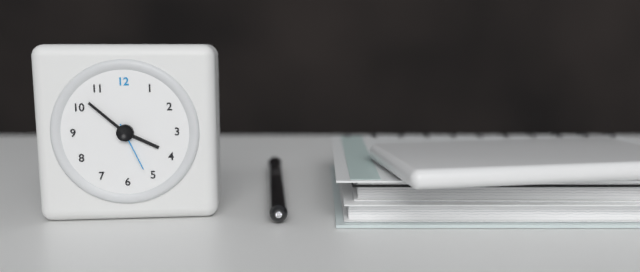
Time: {"hour": 3, "minute": 52, "second": 26}
